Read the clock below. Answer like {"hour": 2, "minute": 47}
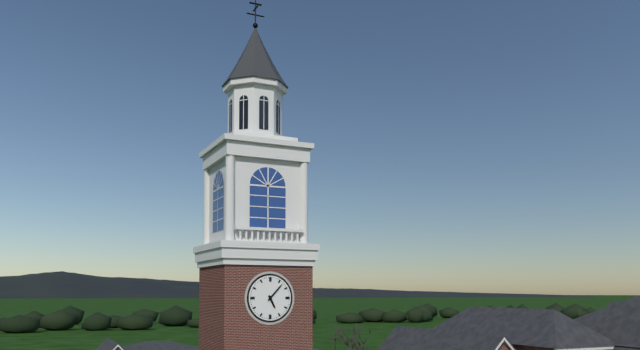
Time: {"hour": 5, "minute": 7}
